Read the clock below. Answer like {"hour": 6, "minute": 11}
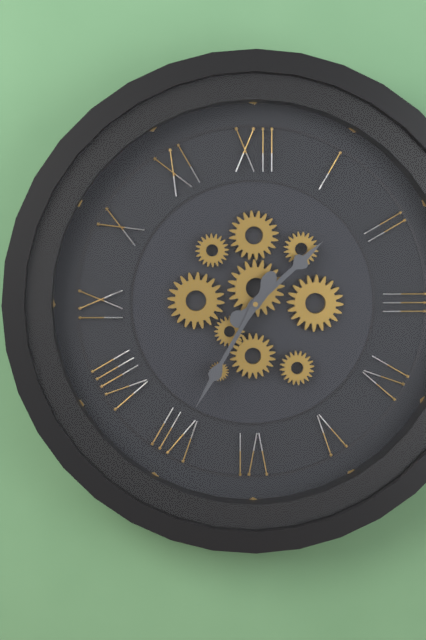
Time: {"hour": 1, "minute": 35}
